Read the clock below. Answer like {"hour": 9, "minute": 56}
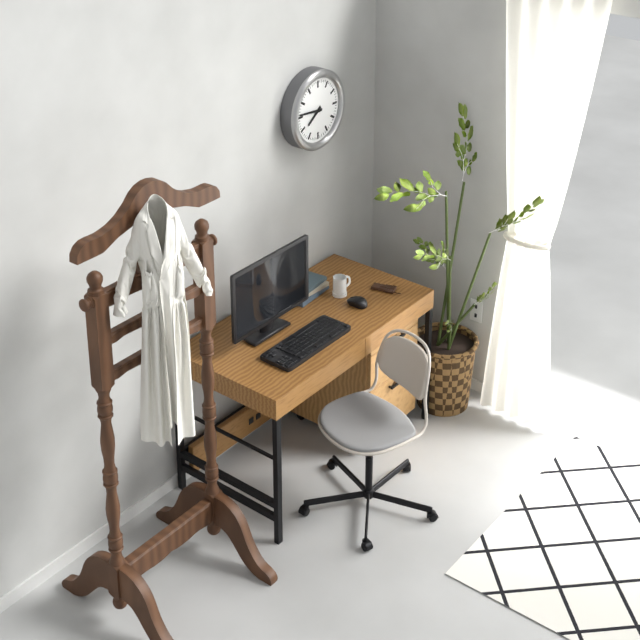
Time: {"hour": 7, "minute": 46}
